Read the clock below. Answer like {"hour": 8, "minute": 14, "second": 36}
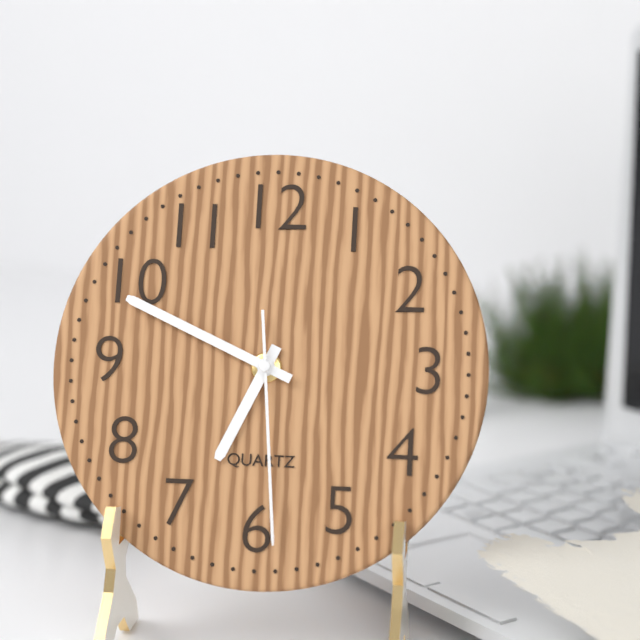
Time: {"hour": 6, "minute": 49, "second": 29}
